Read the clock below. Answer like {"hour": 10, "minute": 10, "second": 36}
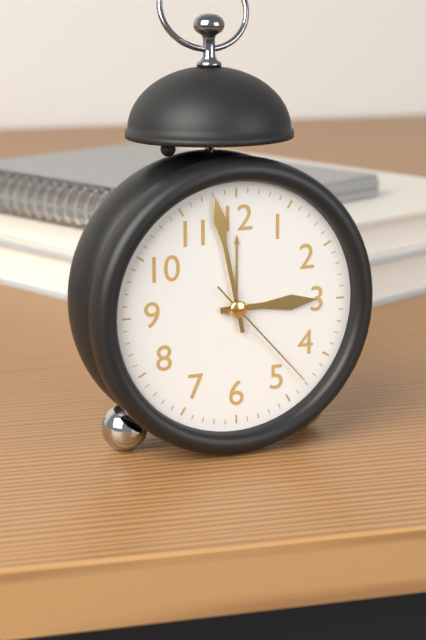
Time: {"hour": 2, "minute": 58, "second": 23}
